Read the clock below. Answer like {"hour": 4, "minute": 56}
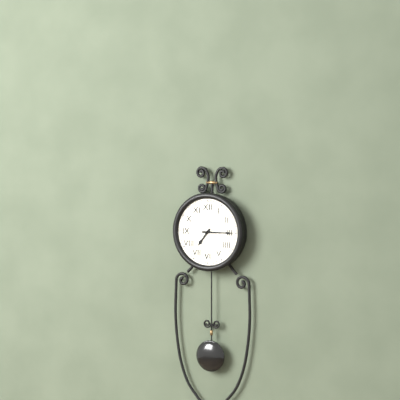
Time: {"hour": 7, "minute": 15}
